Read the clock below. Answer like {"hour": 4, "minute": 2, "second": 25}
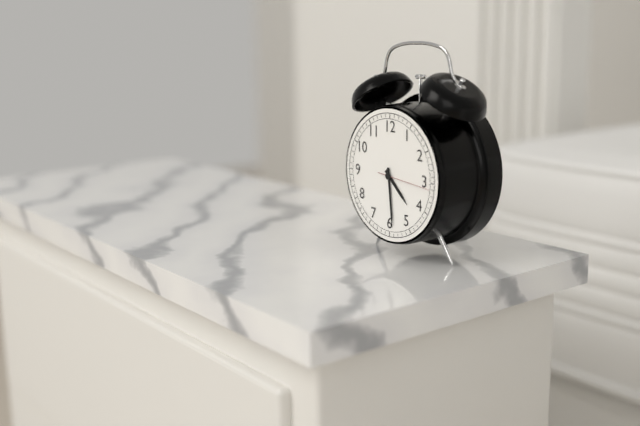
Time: {"hour": 4, "minute": 29, "second": 16}
